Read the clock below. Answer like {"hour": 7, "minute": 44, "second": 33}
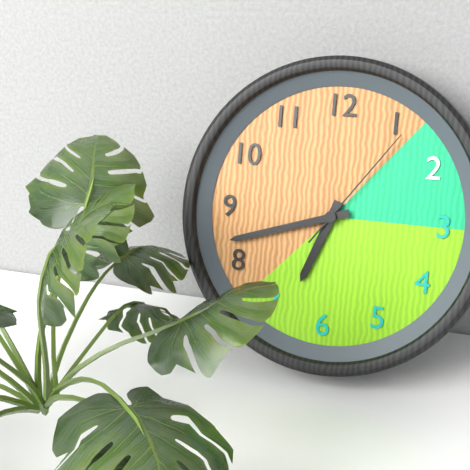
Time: {"hour": 6, "minute": 42, "second": 6}
